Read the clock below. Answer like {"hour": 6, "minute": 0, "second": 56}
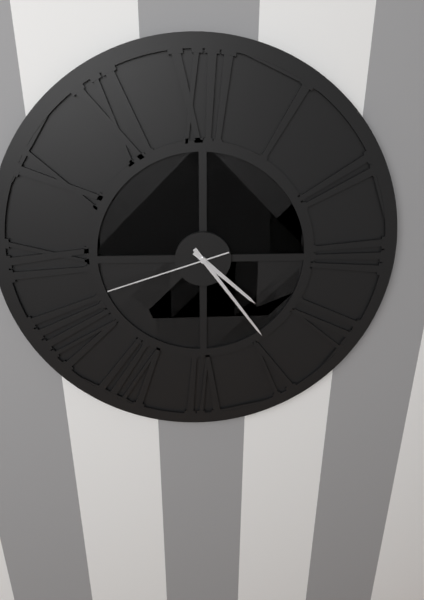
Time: {"hour": 4, "minute": 24, "second": 42}
